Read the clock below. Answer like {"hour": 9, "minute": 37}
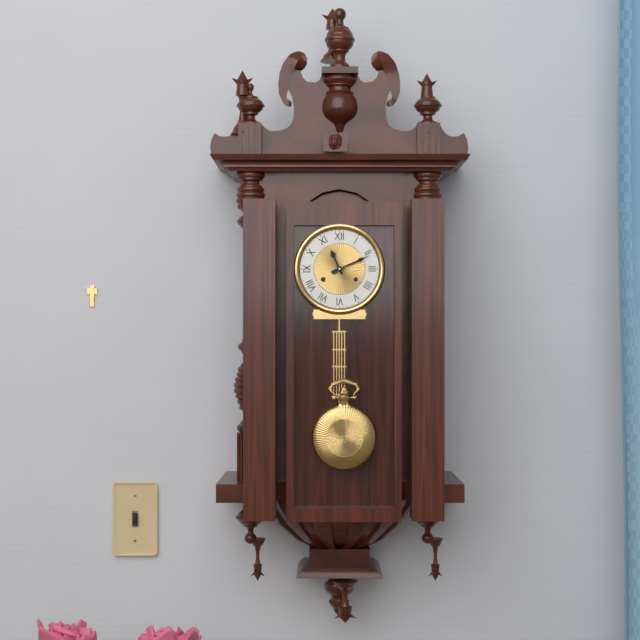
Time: {"hour": 11, "minute": 11}
